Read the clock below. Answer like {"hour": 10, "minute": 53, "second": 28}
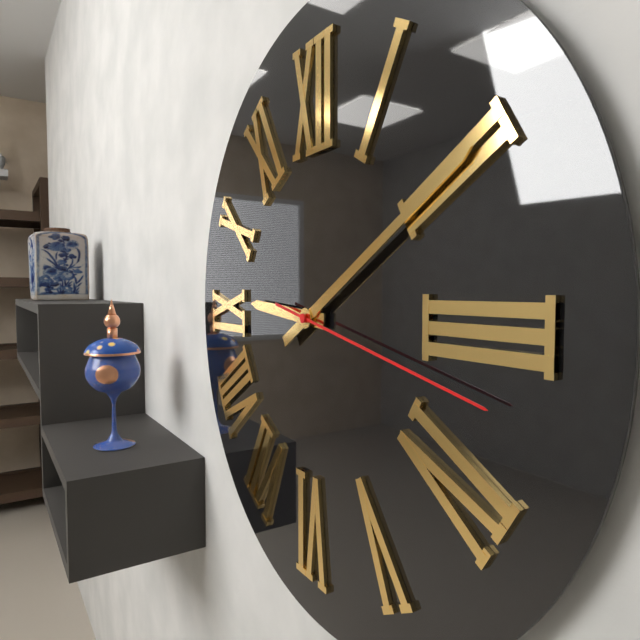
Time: {"hour": 9, "minute": 10, "second": 17}
